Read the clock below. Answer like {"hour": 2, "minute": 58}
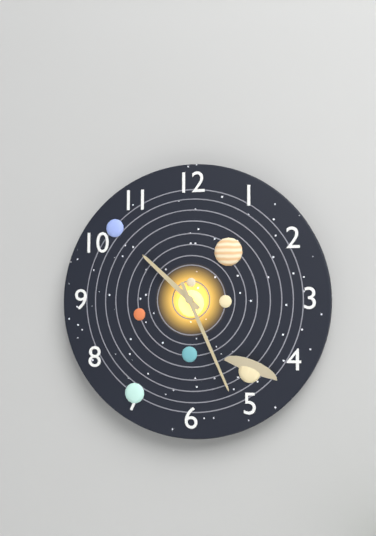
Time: {"hour": 10, "minute": 26}
